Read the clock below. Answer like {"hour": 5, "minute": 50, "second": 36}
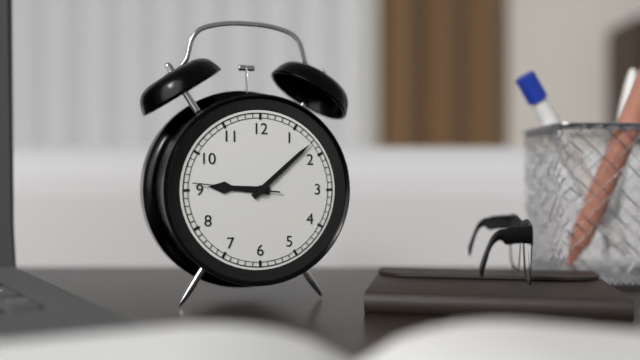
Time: {"hour": 9, "minute": 8, "second": 46}
